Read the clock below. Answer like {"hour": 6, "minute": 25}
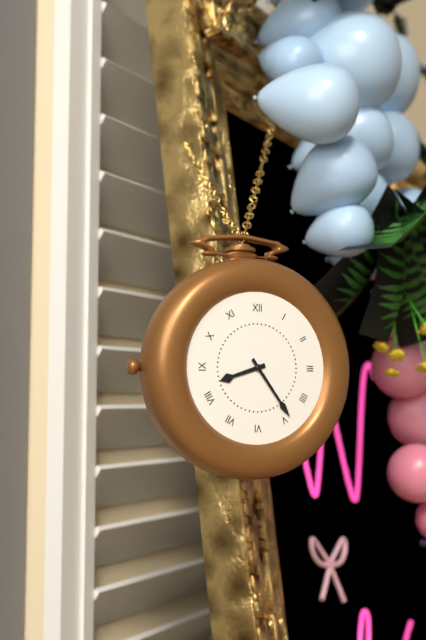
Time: {"hour": 8, "minute": 24}
